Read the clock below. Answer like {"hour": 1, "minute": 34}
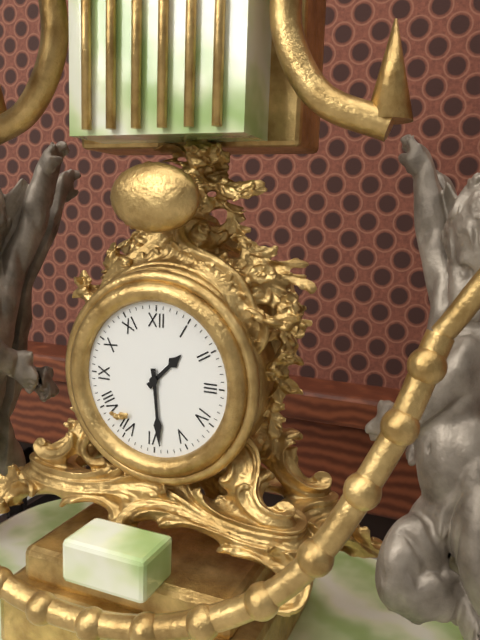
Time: {"hour": 1, "minute": 29}
